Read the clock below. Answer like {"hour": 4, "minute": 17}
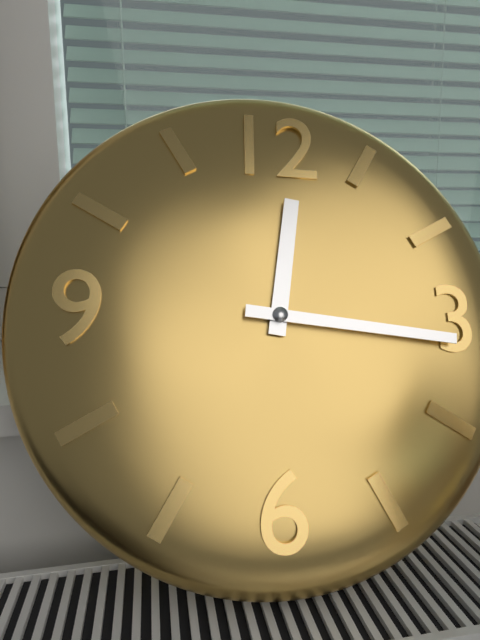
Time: {"hour": 12, "minute": 16}
